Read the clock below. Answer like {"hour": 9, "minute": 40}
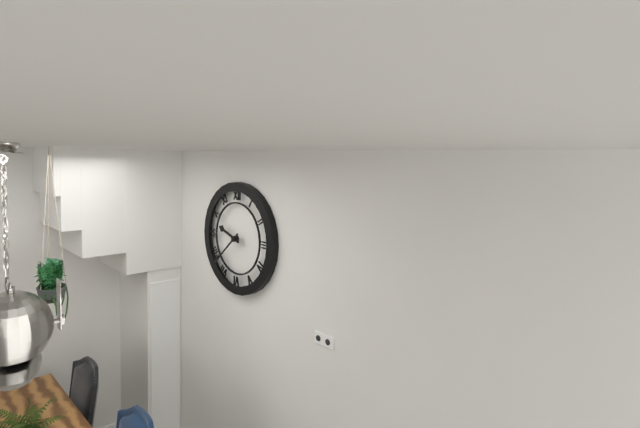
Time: {"hour": 9, "minute": 38}
